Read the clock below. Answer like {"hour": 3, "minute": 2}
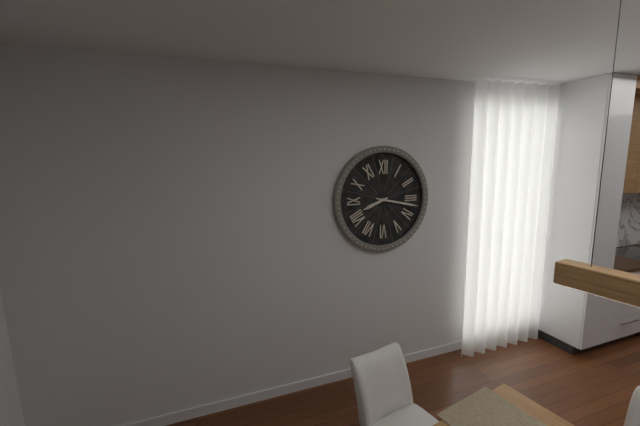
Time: {"hour": 8, "minute": 17}
